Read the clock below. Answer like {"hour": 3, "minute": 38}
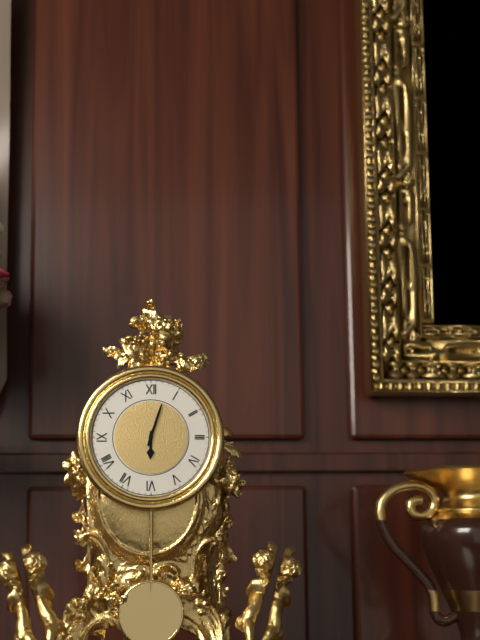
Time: {"hour": 6, "minute": 3}
